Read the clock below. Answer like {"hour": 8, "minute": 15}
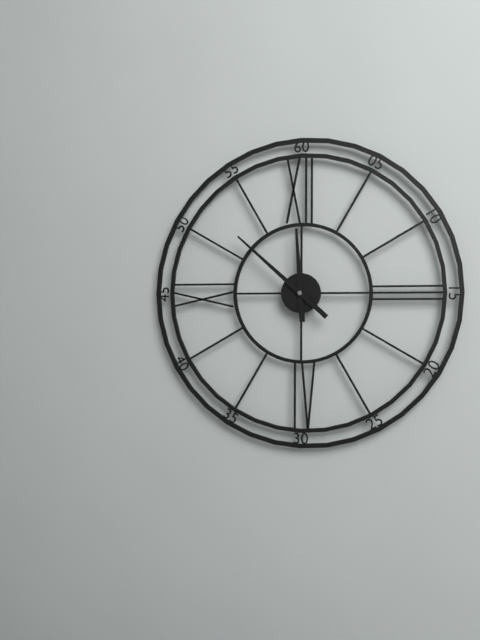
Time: {"hour": 11, "minute": 52}
